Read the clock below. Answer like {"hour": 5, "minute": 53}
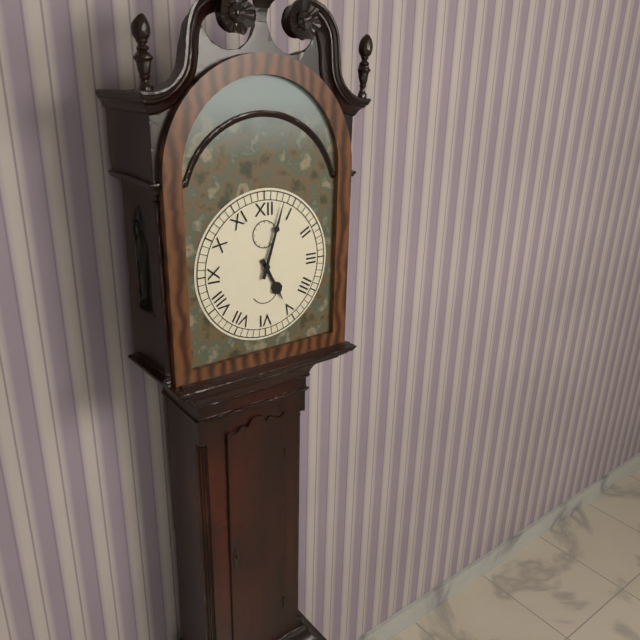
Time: {"hour": 5, "minute": 3}
